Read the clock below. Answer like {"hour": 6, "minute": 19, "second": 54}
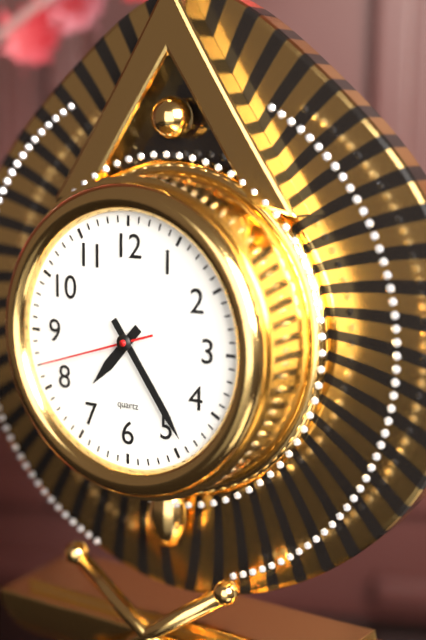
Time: {"hour": 7, "minute": 24, "second": 42}
